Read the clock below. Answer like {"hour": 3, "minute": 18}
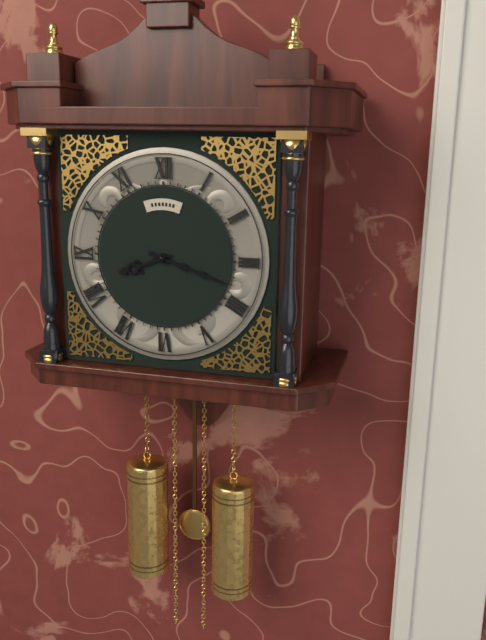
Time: {"hour": 8, "minute": 18}
